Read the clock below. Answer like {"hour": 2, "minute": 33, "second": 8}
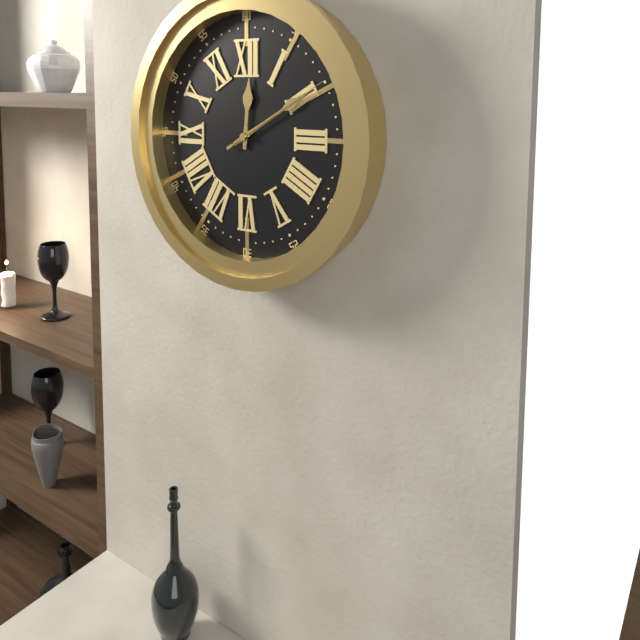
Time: {"hour": 12, "minute": 10, "second": 10}
